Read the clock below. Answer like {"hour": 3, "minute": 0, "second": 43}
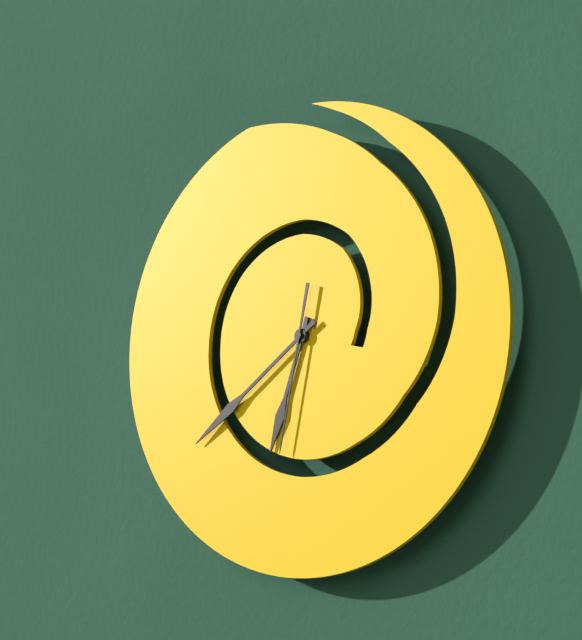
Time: {"hour": 6, "minute": 39, "second": 32}
